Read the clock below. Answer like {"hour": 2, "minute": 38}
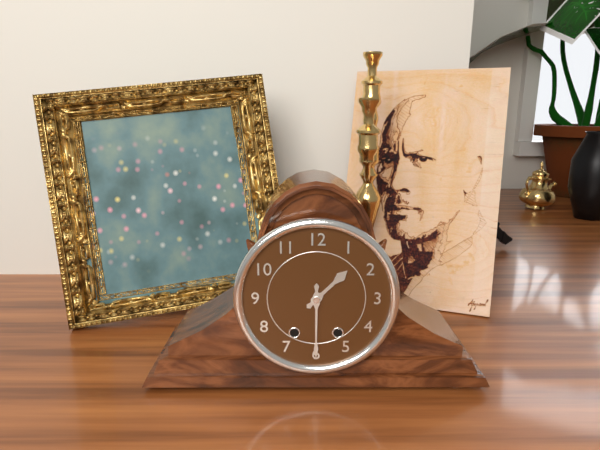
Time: {"hour": 1, "minute": 30}
